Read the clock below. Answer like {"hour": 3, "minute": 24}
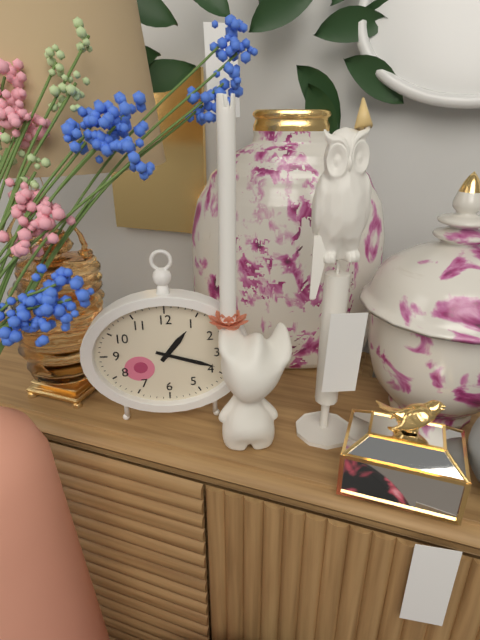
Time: {"hour": 1, "minute": 18}
